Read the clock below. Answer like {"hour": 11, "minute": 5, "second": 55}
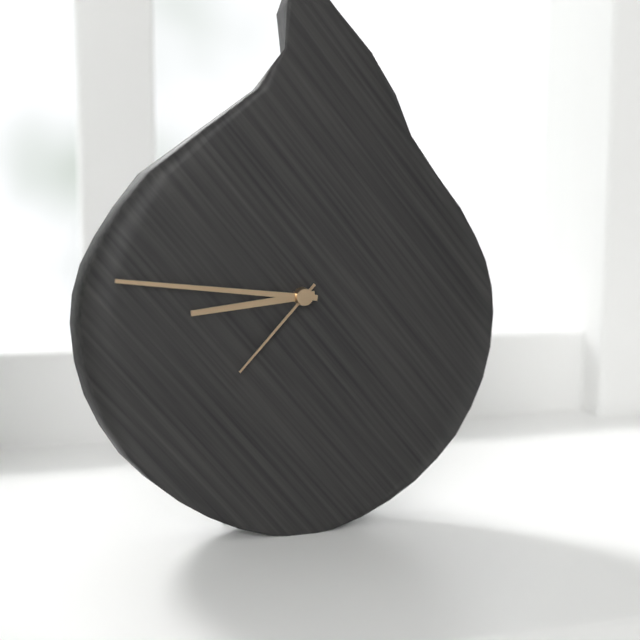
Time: {"hour": 8, "minute": 46, "second": 37}
